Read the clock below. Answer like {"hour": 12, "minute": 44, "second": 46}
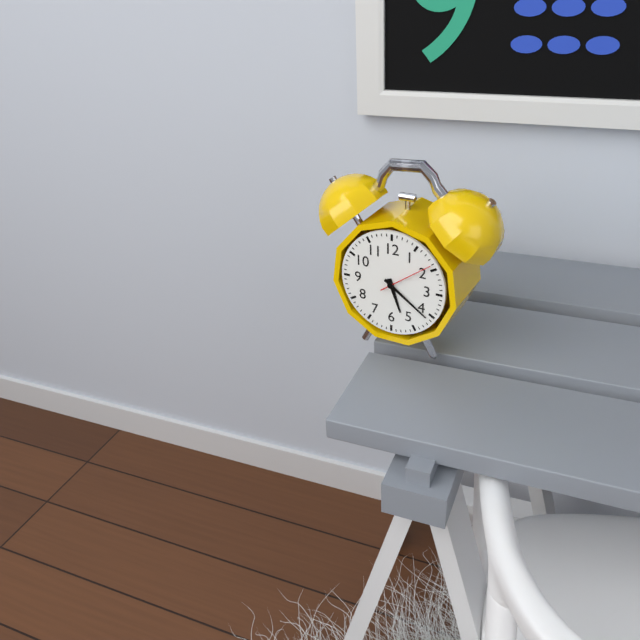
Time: {"hour": 5, "minute": 21, "second": 9}
